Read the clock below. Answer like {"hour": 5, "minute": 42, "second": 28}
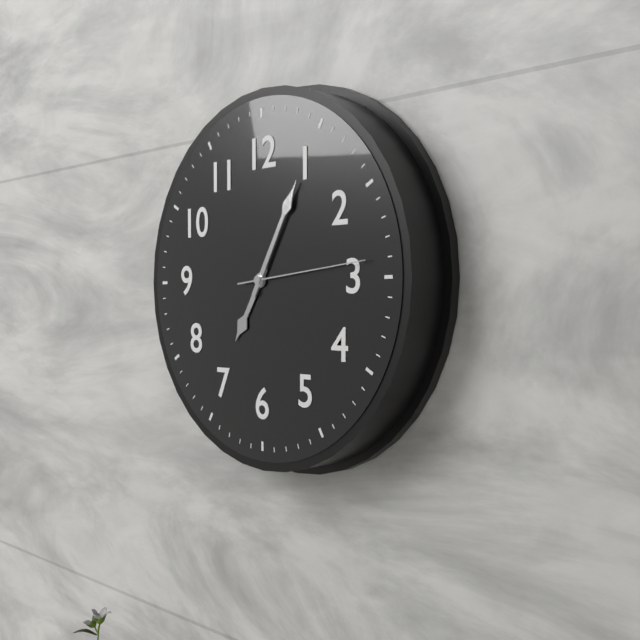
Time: {"hour": 7, "minute": 5, "second": 14}
